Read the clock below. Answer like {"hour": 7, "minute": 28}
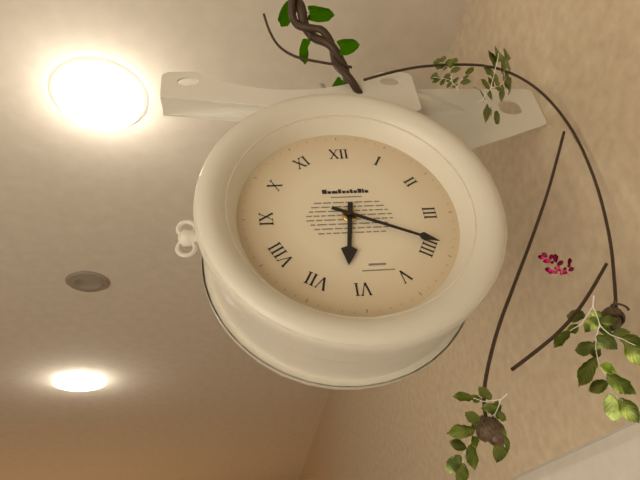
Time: {"hour": 6, "minute": 19}
